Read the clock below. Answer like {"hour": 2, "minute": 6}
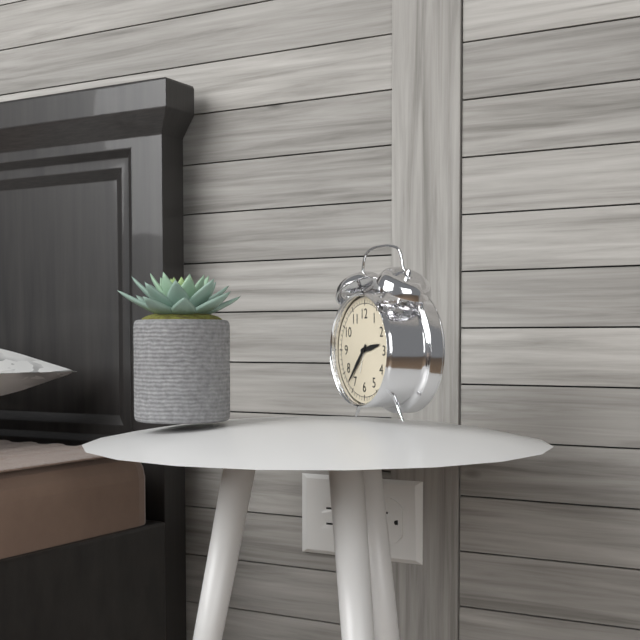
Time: {"hour": 2, "minute": 37}
